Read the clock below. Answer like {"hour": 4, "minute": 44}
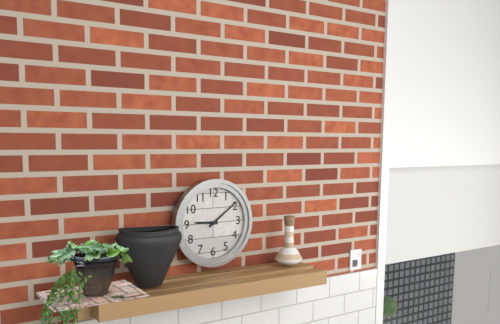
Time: {"hour": 9, "minute": 9}
